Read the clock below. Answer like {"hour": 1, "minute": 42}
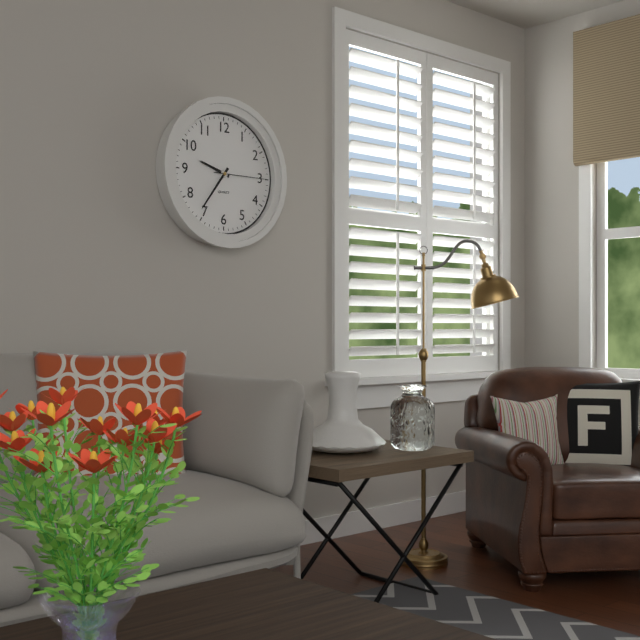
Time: {"hour": 9, "minute": 36}
